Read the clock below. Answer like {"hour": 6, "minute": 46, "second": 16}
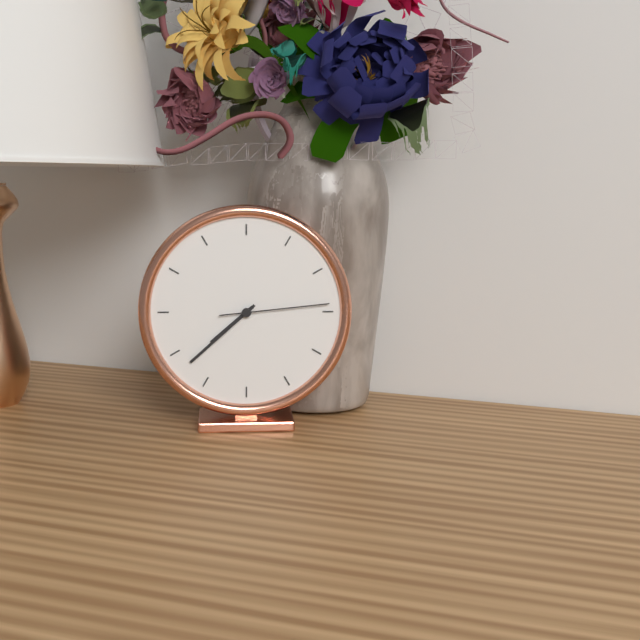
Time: {"hour": 7, "minute": 38, "second": 14}
